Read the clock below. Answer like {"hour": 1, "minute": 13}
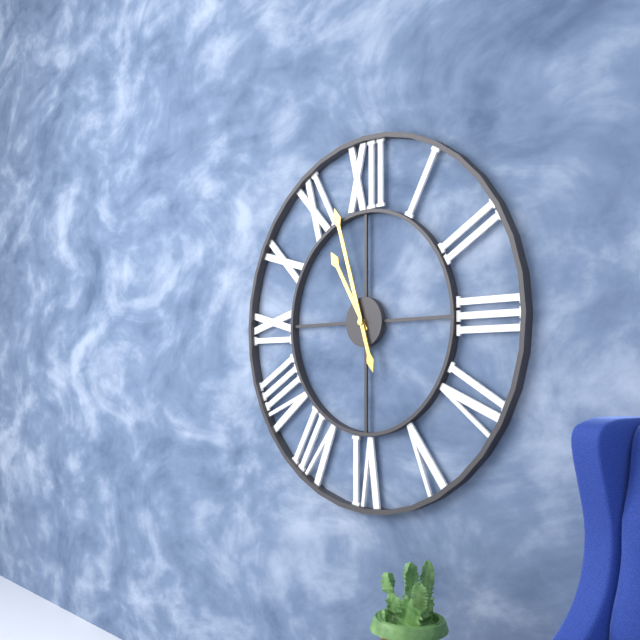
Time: {"hour": 10, "minute": 57}
